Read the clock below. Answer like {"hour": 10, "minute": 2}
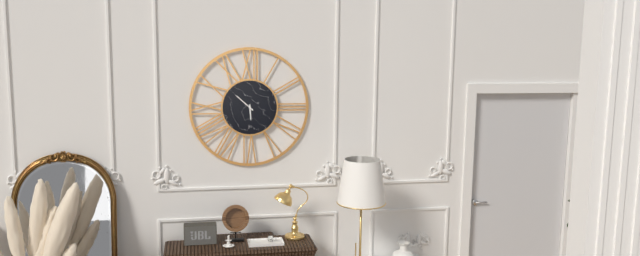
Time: {"hour": 5, "minute": 52}
